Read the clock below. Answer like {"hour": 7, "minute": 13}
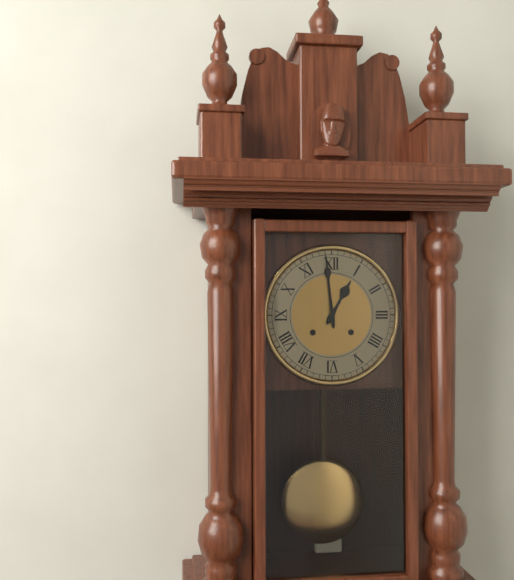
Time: {"hour": 12, "minute": 59}
